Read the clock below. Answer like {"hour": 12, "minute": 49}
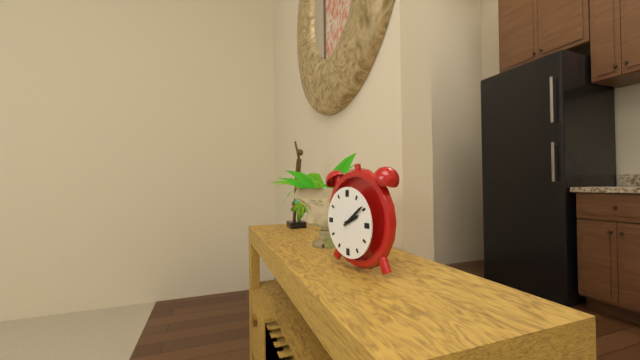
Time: {"hour": 2, "minute": 9}
